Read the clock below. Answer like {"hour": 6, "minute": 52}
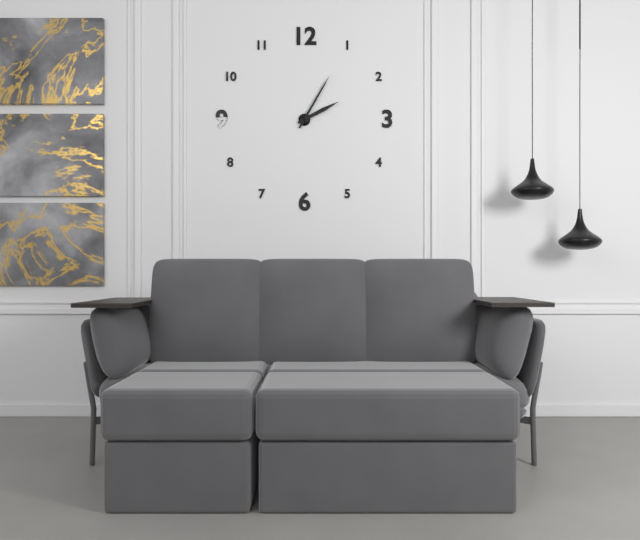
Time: {"hour": 2, "minute": 5}
